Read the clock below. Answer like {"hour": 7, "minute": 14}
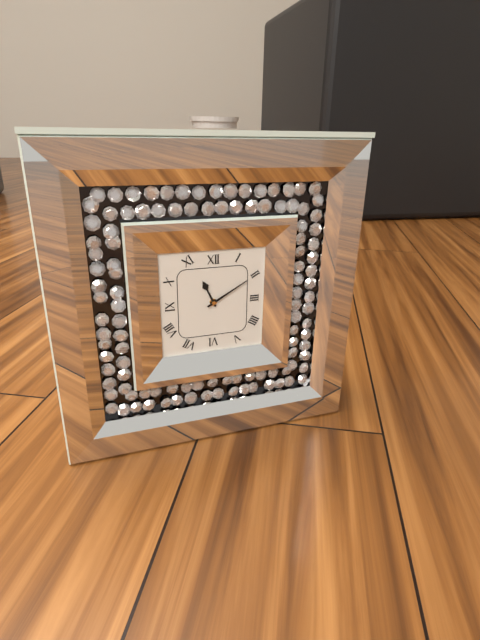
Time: {"hour": 11, "minute": 10}
